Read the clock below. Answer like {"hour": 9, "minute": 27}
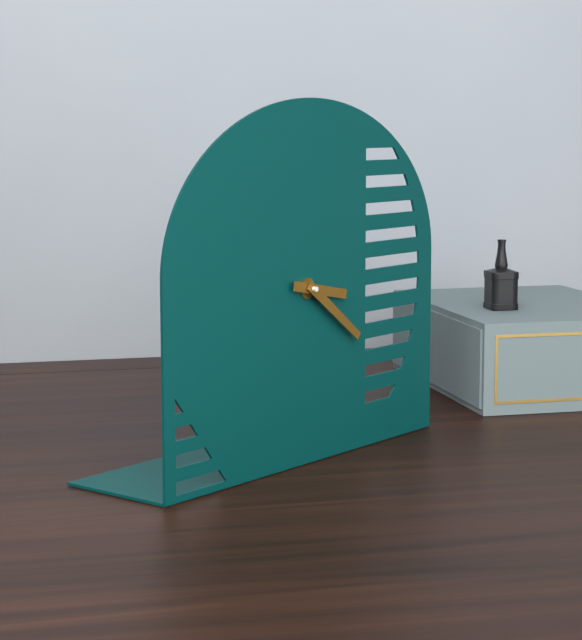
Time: {"hour": 3, "minute": 21}
